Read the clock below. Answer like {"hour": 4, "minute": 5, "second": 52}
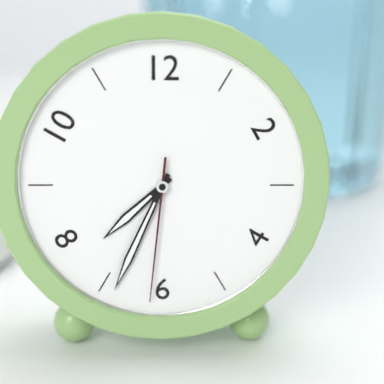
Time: {"hour": 7, "minute": 34, "second": 31}
